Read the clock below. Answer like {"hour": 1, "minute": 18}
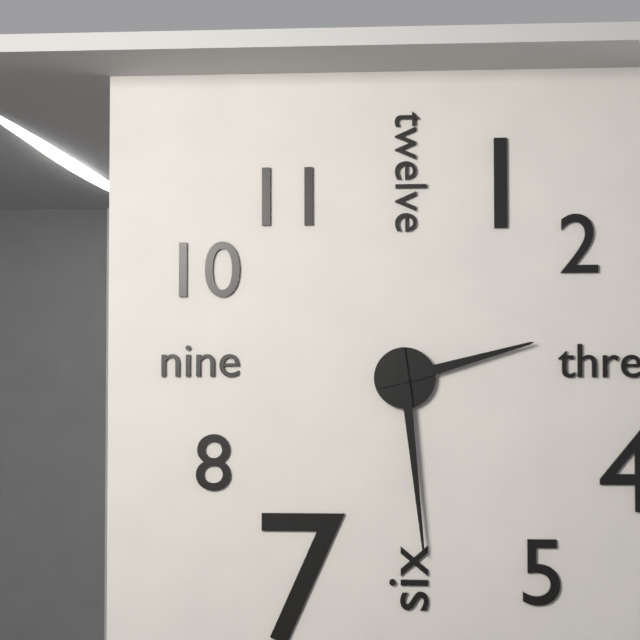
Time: {"hour": 2, "minute": 29}
